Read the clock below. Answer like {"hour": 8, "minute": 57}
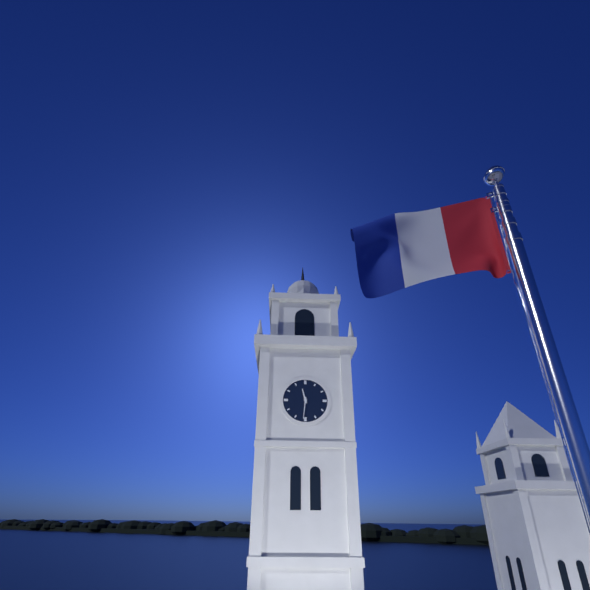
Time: {"hour": 11, "minute": 31}
